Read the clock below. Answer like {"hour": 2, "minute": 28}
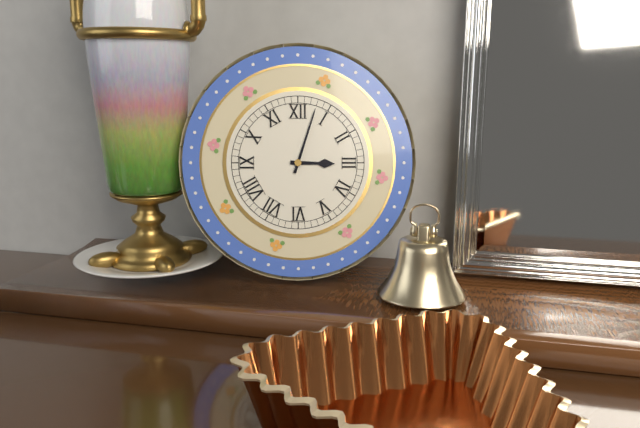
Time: {"hour": 3, "minute": 3}
